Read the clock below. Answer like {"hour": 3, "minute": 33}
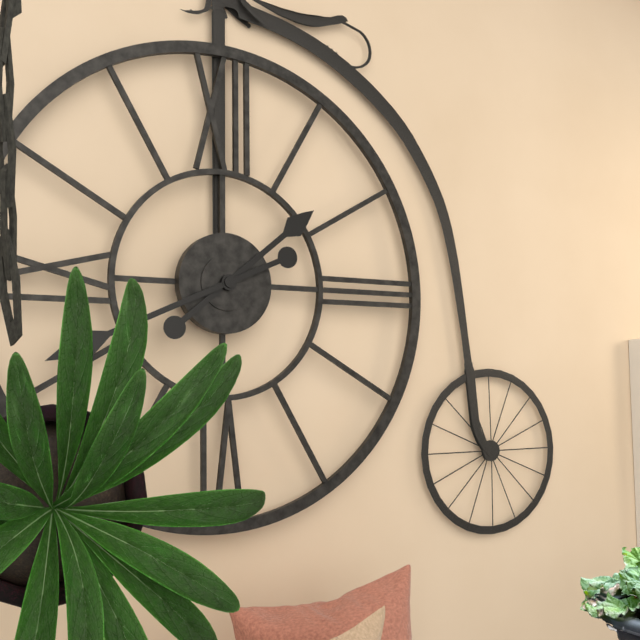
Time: {"hour": 1, "minute": 41}
